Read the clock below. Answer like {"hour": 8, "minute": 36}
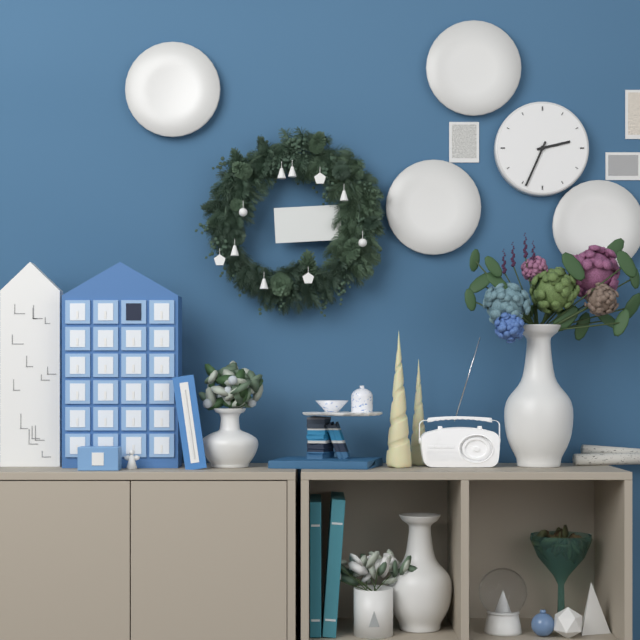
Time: {"hour": 2, "minute": 34}
